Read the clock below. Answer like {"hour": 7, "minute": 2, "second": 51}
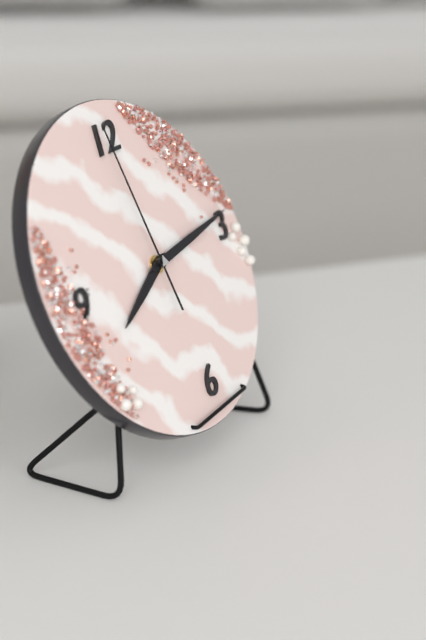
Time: {"hour": 8, "minute": 14, "second": 0}
